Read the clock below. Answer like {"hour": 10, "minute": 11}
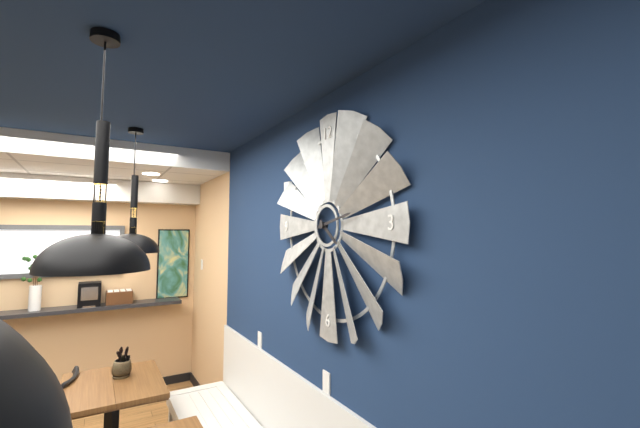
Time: {"hour": 4, "minute": 13}
